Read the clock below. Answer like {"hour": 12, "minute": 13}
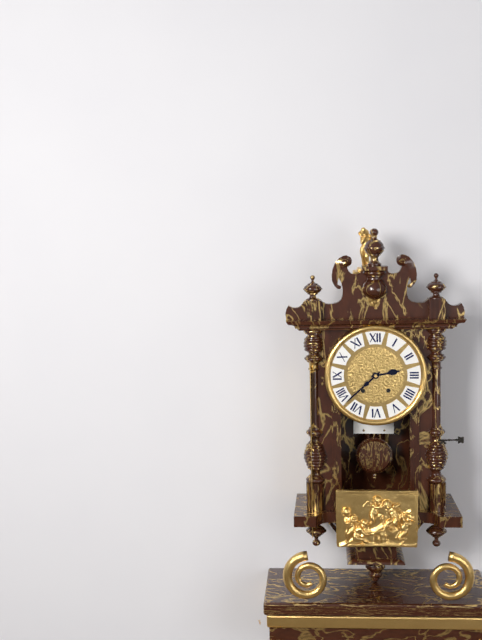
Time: {"hour": 2, "minute": 38}
